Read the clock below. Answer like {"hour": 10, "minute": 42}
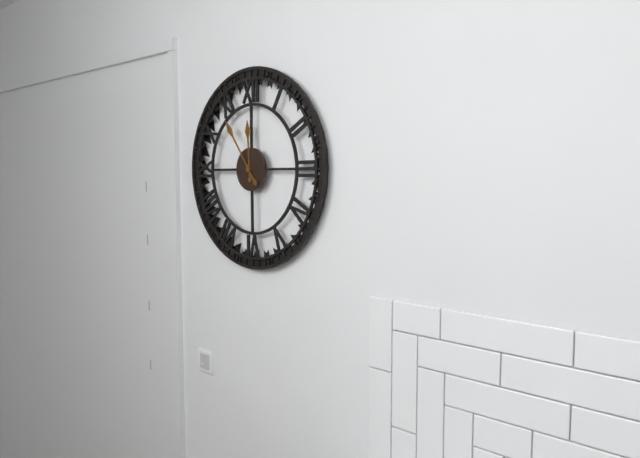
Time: {"hour": 11, "minute": 54}
